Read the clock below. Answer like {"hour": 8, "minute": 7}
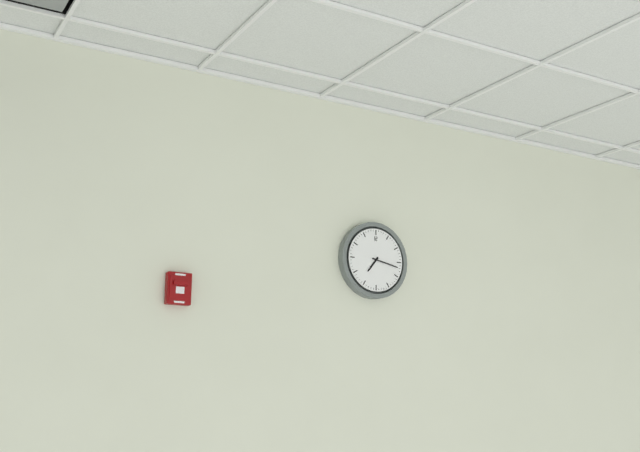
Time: {"hour": 7, "minute": 17}
